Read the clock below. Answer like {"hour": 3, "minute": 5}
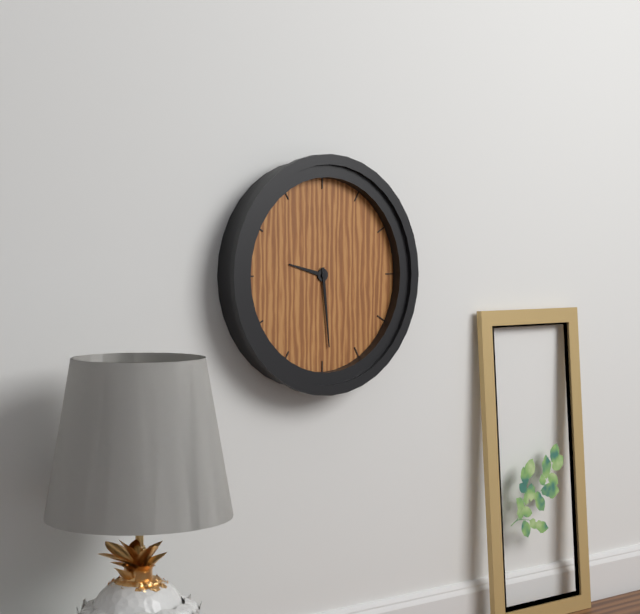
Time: {"hour": 9, "minute": 29}
